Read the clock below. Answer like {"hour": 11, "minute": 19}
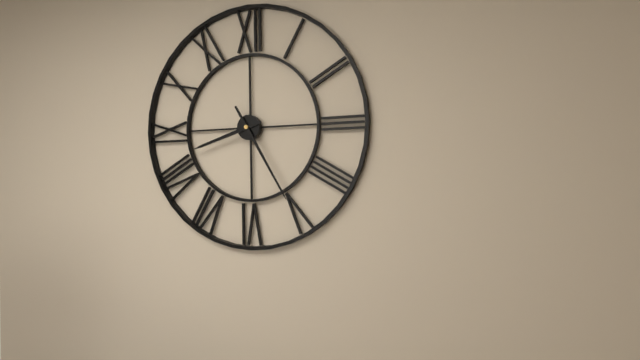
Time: {"hour": 8, "minute": 25}
